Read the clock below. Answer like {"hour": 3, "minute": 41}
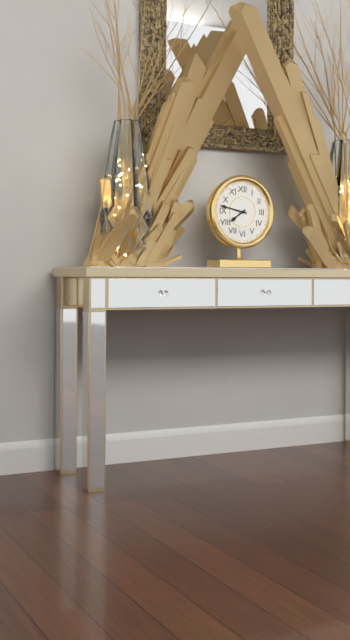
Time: {"hour": 7, "minute": 47}
